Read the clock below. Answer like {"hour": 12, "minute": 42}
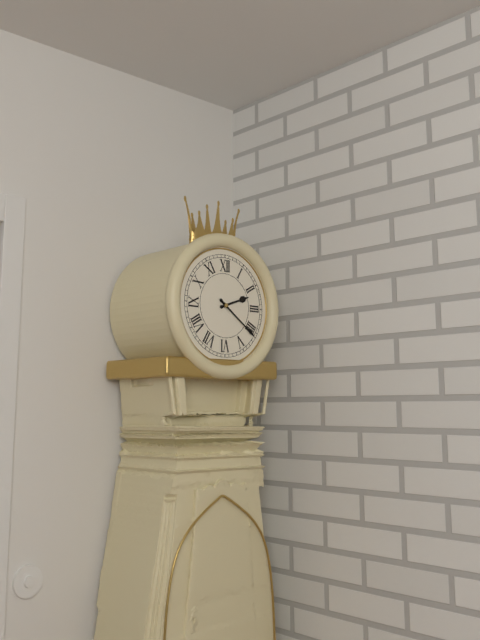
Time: {"hour": 2, "minute": 21}
